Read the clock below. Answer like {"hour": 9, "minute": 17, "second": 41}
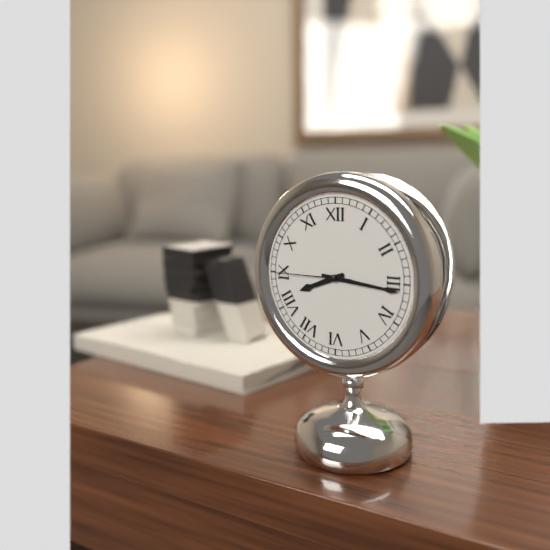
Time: {"hour": 8, "minute": 16, "second": 45}
